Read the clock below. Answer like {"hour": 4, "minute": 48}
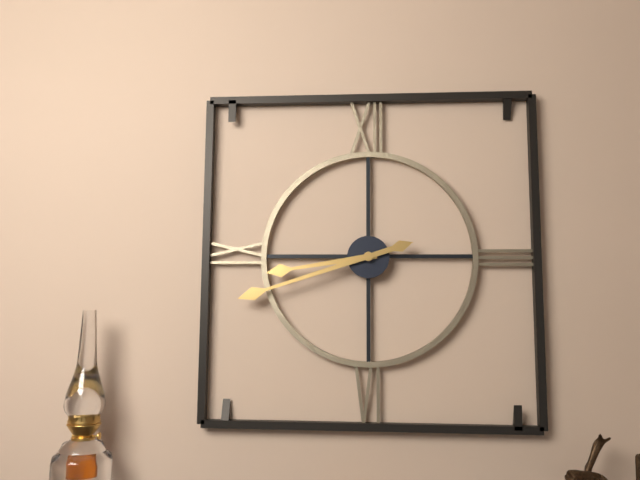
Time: {"hour": 8, "minute": 42}
